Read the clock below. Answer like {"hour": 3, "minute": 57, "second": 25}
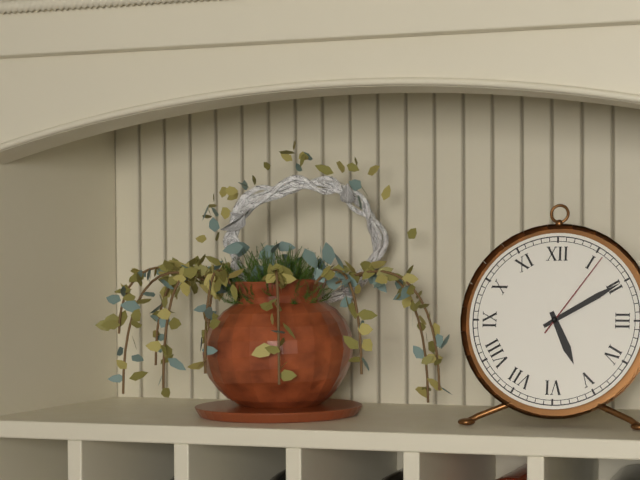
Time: {"hour": 5, "minute": 10, "second": 6}
